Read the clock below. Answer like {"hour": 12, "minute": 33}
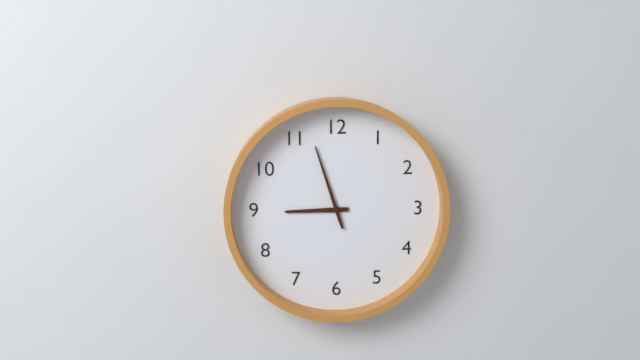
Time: {"hour": 8, "minute": 57}
